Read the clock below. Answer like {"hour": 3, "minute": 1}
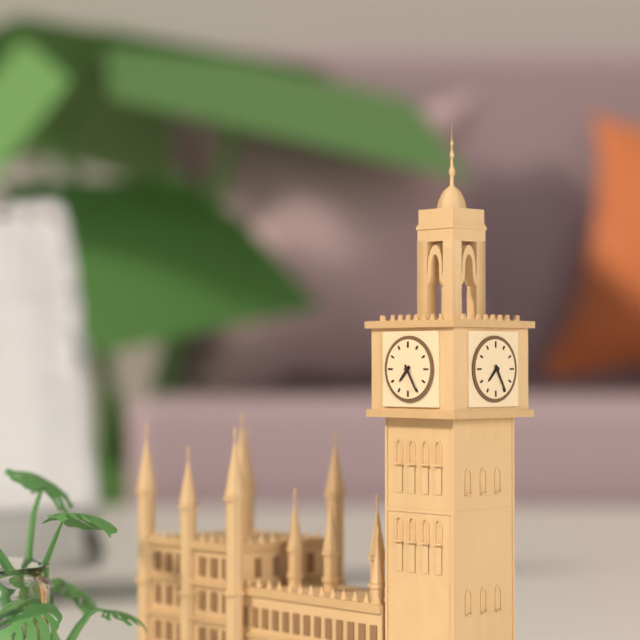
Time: {"hour": 7, "minute": 25}
